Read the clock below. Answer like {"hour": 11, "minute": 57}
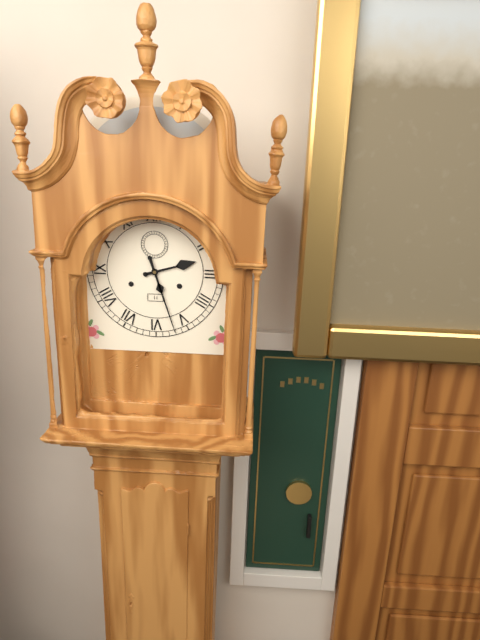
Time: {"hour": 2, "minute": 27}
